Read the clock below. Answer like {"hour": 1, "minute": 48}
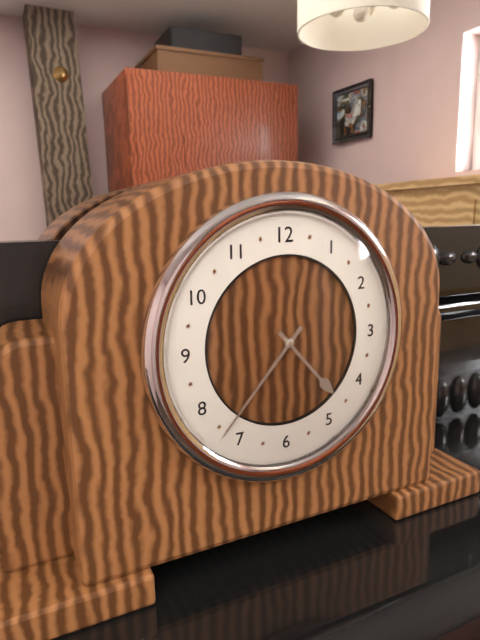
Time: {"hour": 4, "minute": 37}
